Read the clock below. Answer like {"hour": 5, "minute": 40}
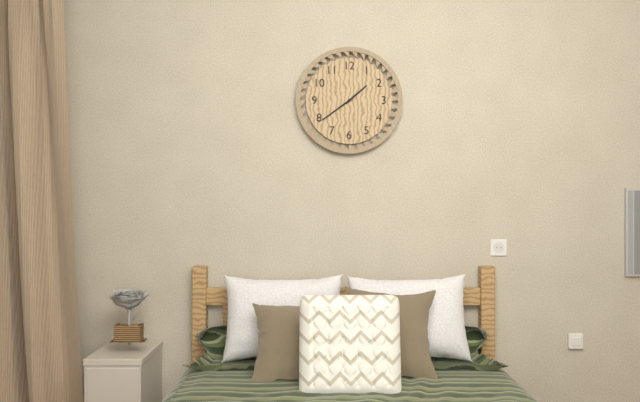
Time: {"hour": 1, "minute": 39}
